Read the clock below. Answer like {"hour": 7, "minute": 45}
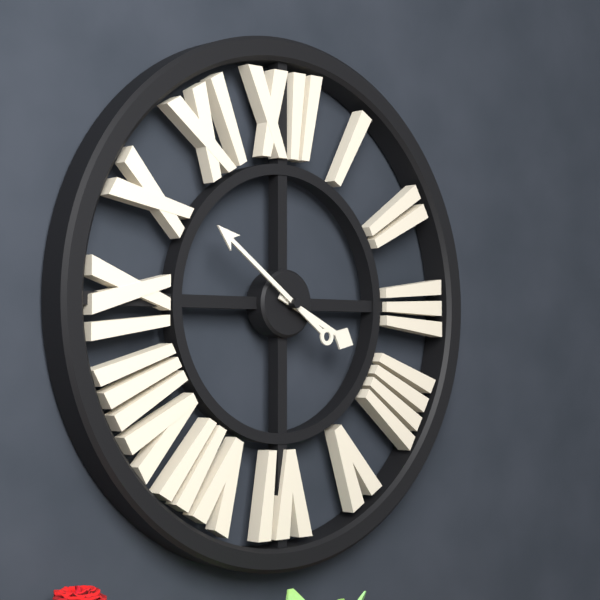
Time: {"hour": 3, "minute": 51}
